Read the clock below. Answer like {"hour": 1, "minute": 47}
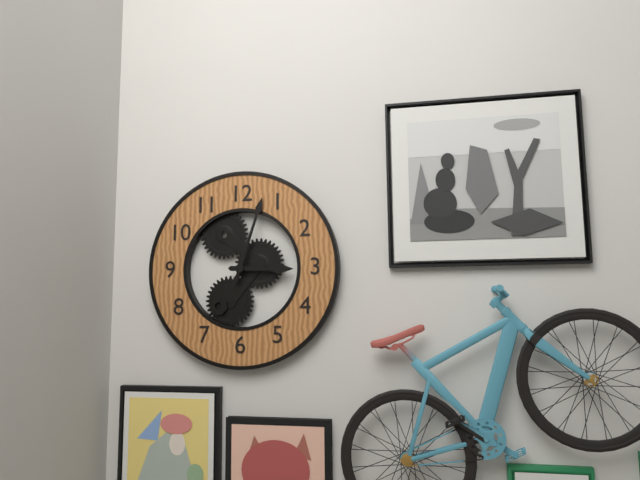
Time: {"hour": 3, "minute": 3}
